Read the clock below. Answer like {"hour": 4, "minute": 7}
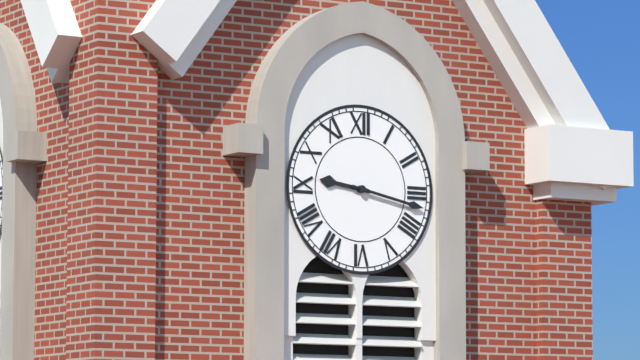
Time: {"hour": 9, "minute": 17}
